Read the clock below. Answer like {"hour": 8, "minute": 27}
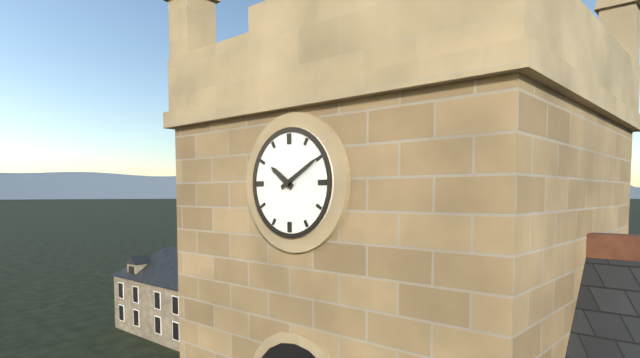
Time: {"hour": 10, "minute": 10}
